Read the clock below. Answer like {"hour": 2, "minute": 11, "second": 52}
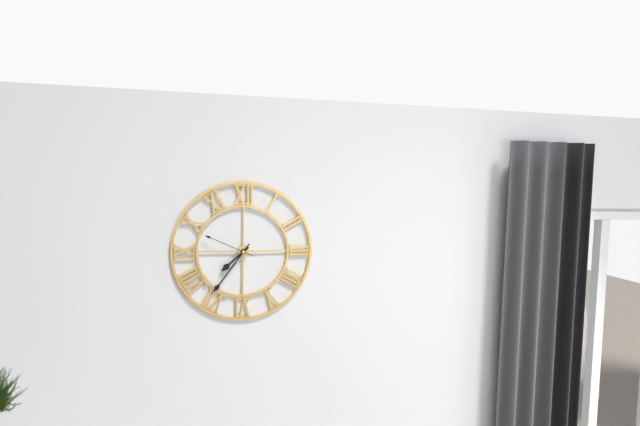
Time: {"hour": 7, "minute": 36, "second": 49}
